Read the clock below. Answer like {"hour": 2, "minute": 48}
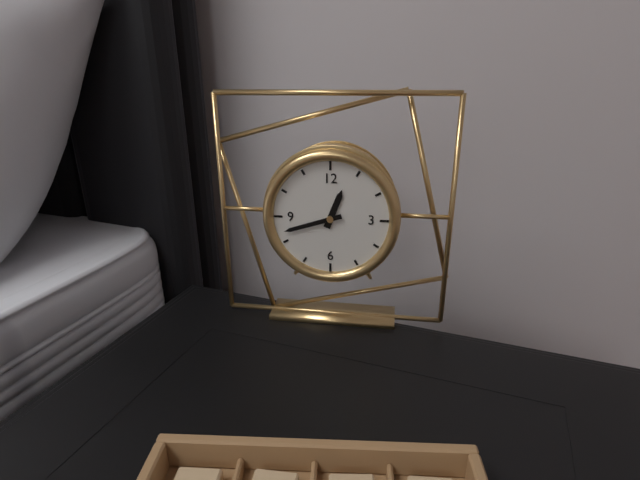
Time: {"hour": 12, "minute": 42}
